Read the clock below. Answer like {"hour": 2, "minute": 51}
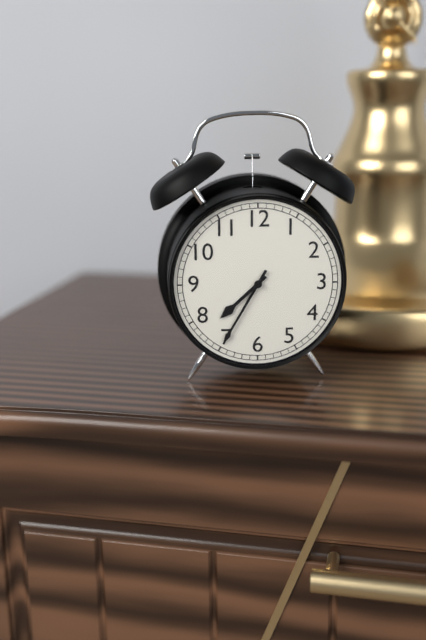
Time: {"hour": 7, "minute": 35}
